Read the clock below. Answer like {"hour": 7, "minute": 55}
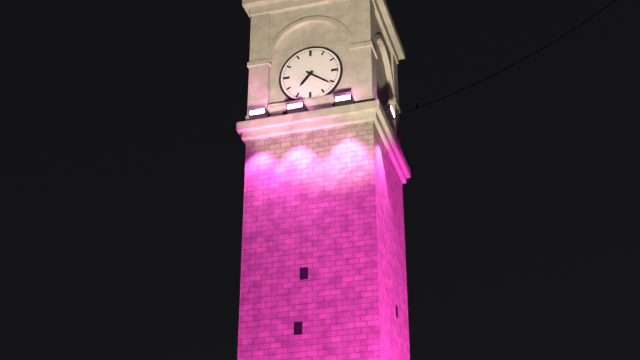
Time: {"hour": 7, "minute": 21}
